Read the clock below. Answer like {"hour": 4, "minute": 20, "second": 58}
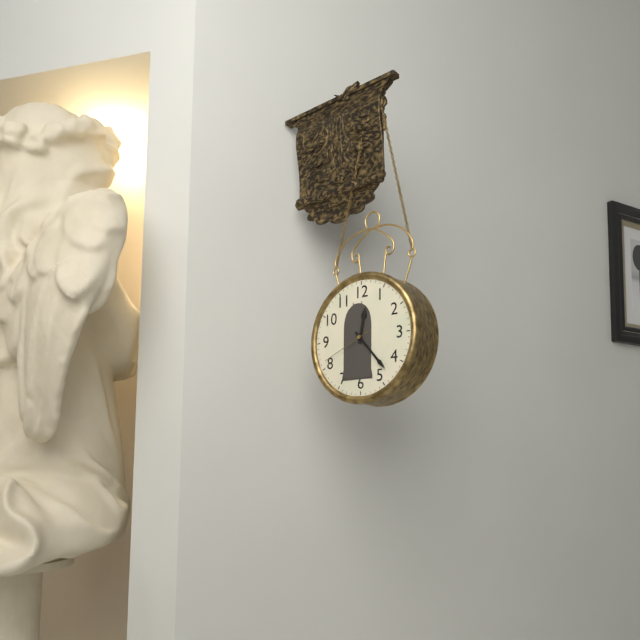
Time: {"hour": 12, "minute": 23, "second": 41}
